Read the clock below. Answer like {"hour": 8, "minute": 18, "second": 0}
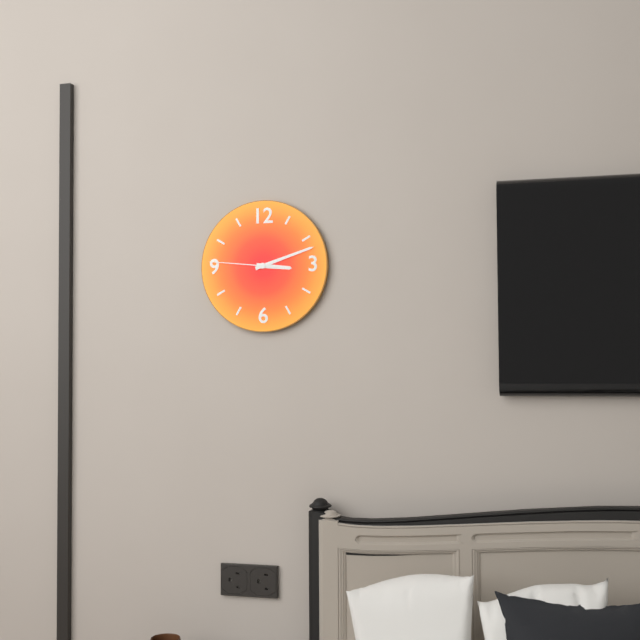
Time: {"hour": 3, "minute": 12, "second": 46}
